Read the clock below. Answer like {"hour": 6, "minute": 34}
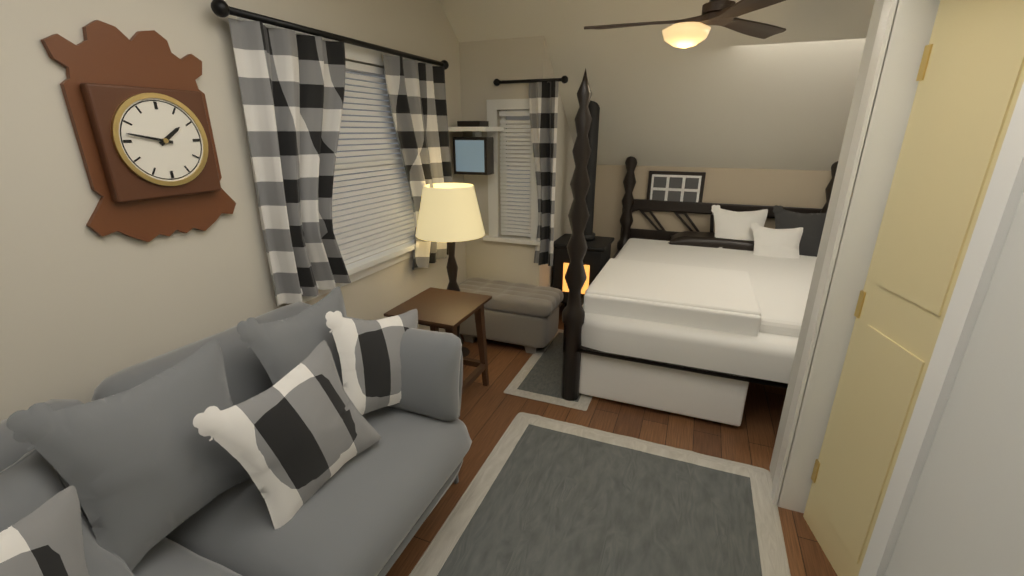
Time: {"hour": 1, "minute": 47}
